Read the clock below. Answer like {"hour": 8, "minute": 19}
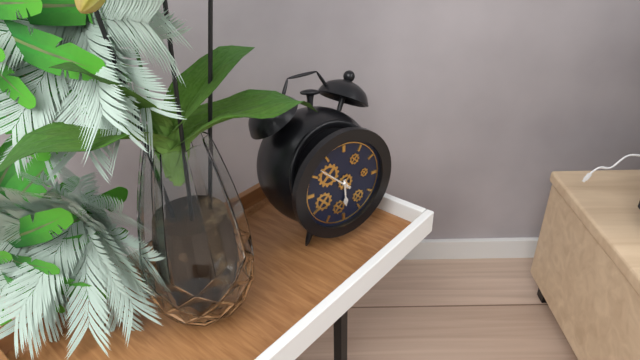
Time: {"hour": 5, "minute": 52}
